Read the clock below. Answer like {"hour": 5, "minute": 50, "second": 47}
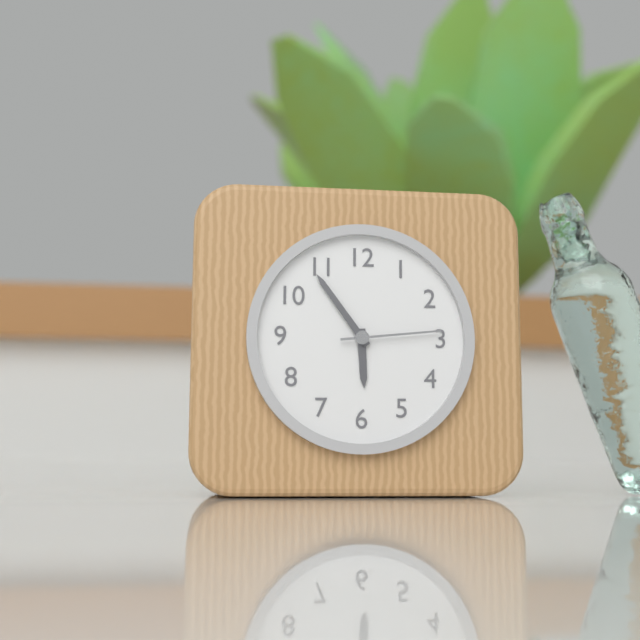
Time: {"hour": 5, "minute": 54, "second": 14}
